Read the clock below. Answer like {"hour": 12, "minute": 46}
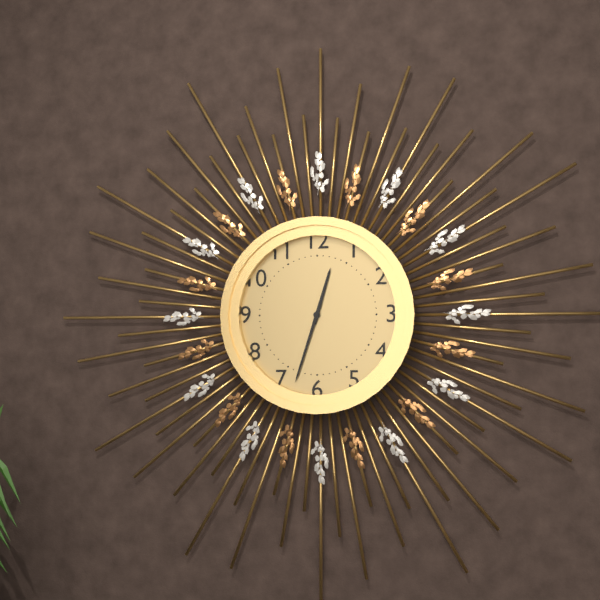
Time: {"hour": 12, "minute": 33}
